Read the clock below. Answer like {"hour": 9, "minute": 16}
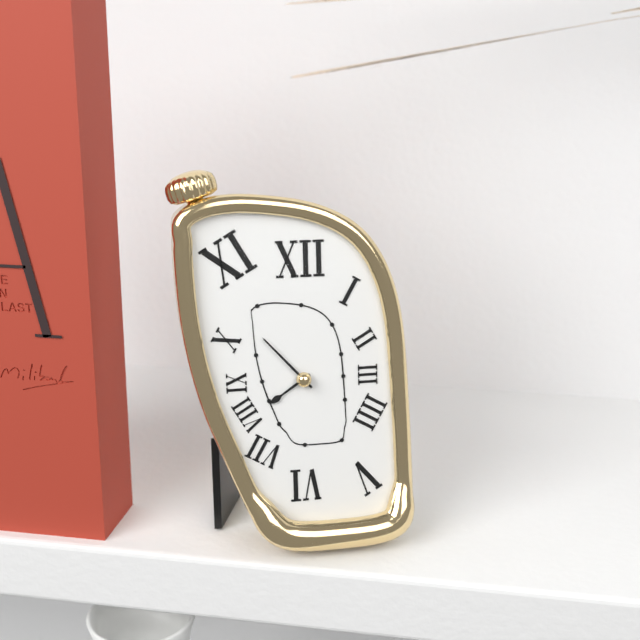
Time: {"hour": 7, "minute": 53}
